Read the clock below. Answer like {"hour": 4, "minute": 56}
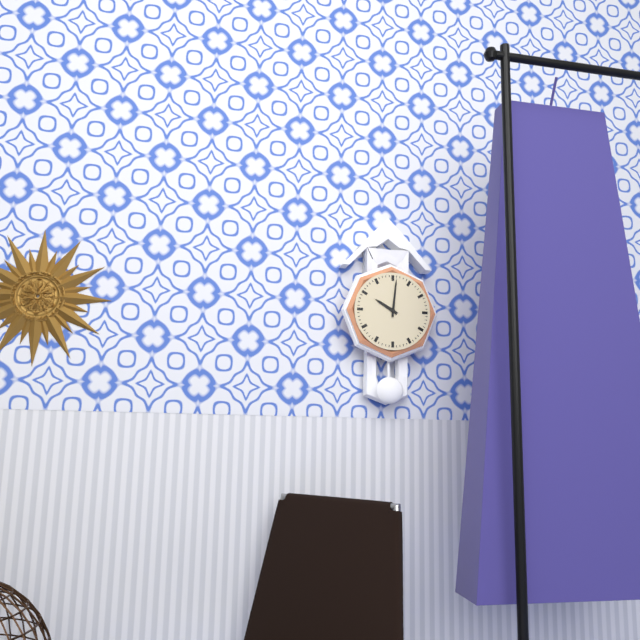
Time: {"hour": 10, "minute": 1}
